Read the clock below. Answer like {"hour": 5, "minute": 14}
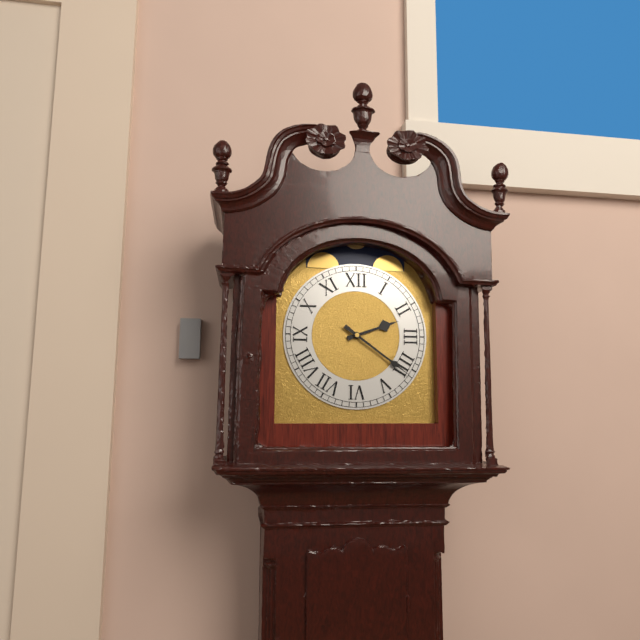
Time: {"hour": 2, "minute": 21}
